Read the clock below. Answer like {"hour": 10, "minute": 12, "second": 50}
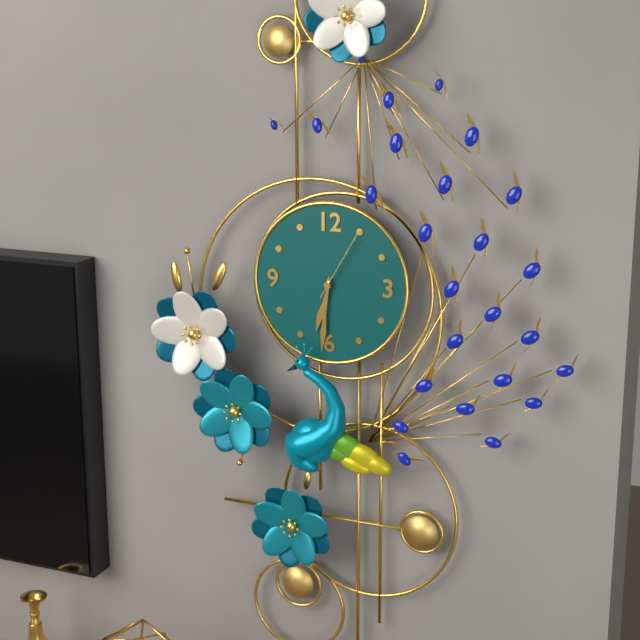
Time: {"hour": 6, "minute": 31, "second": 5}
